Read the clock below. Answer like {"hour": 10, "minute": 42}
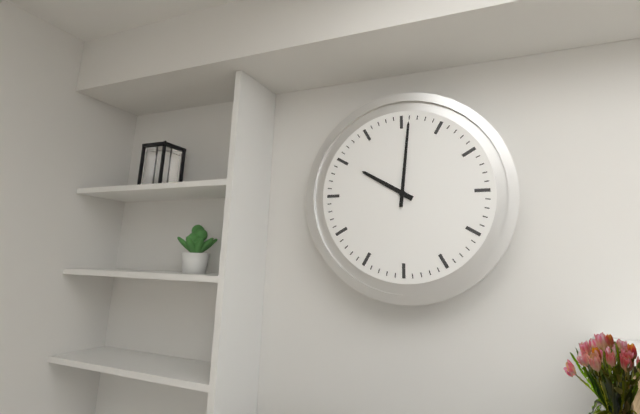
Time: {"hour": 10, "minute": 1}
